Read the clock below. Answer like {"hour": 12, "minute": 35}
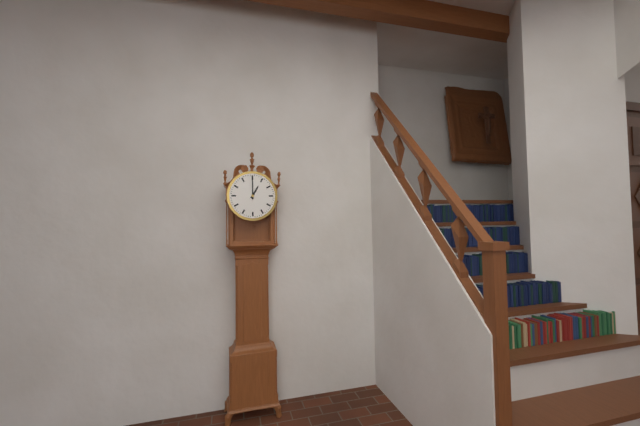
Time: {"hour": 1, "minute": 0}
